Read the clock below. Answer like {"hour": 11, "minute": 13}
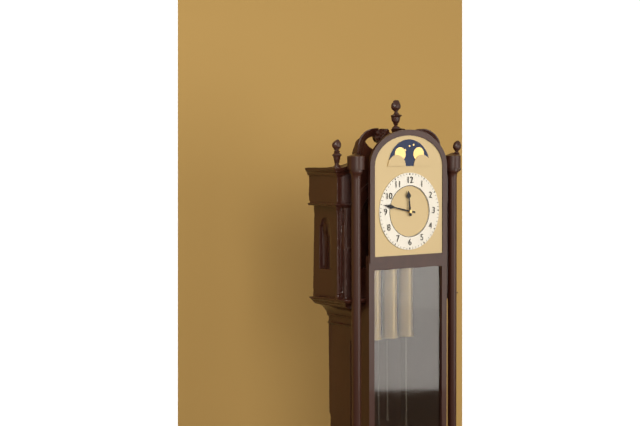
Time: {"hour": 11, "minute": 47}
